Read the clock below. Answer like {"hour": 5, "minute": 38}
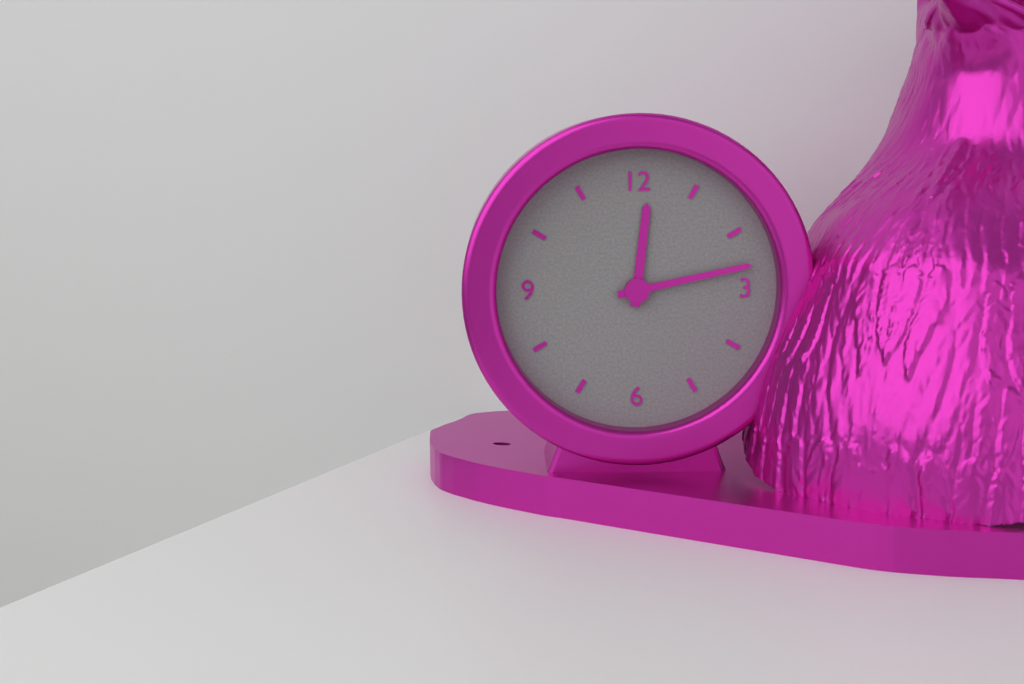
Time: {"hour": 12, "minute": 13}
